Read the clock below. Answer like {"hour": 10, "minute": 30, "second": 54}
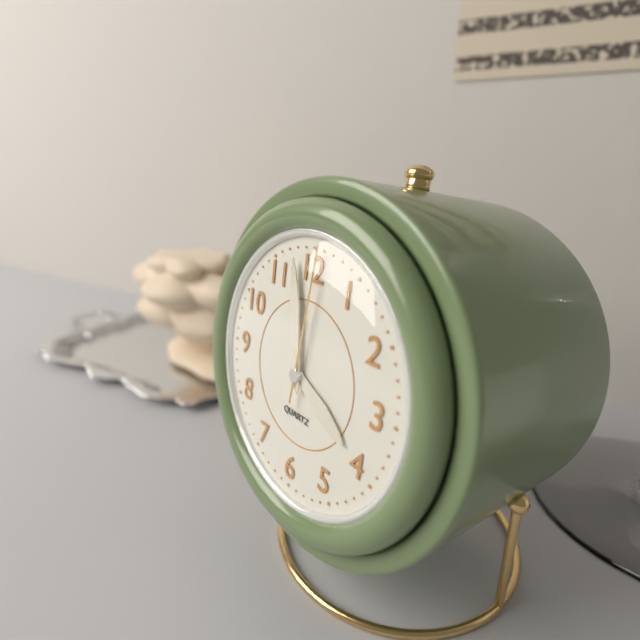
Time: {"hour": 3, "minute": 58, "second": 1}
